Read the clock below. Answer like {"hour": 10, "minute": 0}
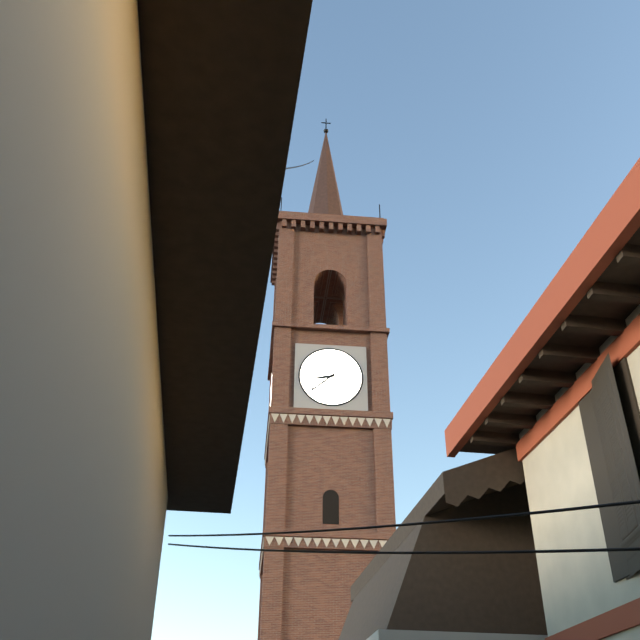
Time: {"hour": 8, "minute": 38}
